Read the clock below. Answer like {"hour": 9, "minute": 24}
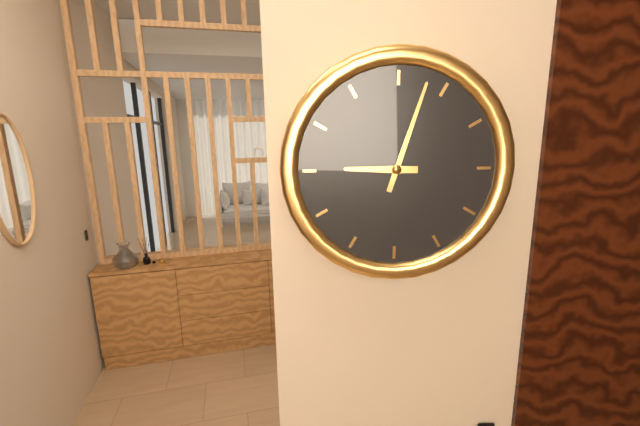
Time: {"hour": 9, "minute": 3}
